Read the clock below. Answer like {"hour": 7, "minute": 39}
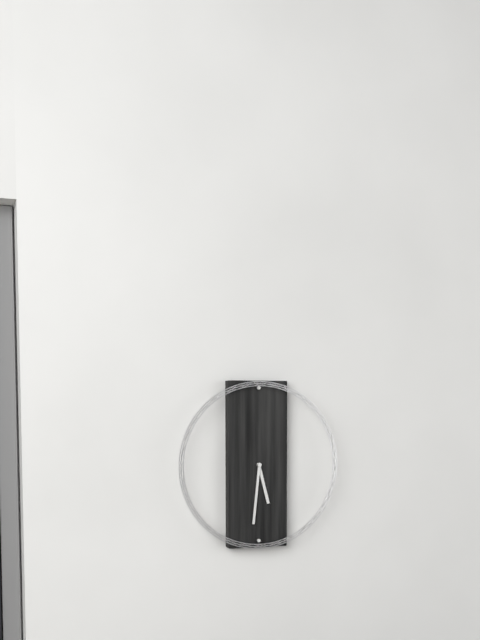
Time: {"hour": 5, "minute": 31}
